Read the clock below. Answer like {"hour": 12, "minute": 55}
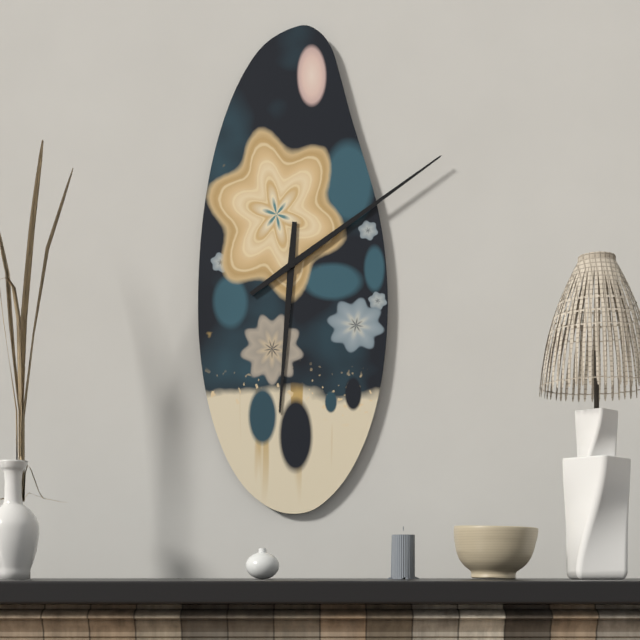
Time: {"hour": 6, "minute": 9}
